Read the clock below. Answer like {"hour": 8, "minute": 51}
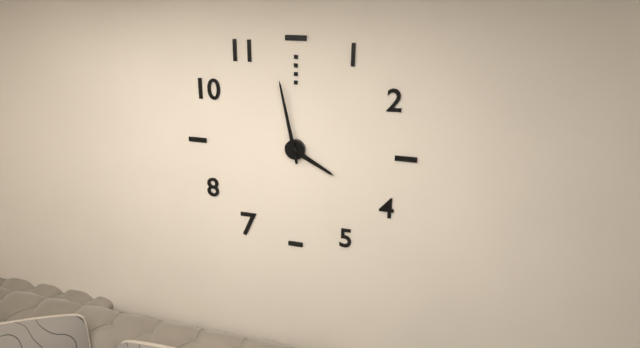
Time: {"hour": 3, "minute": 58}
